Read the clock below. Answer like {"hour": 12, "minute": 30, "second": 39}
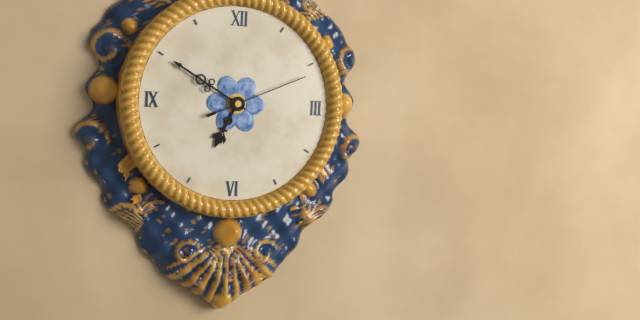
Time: {"hour": 6, "minute": 50, "second": 11}
